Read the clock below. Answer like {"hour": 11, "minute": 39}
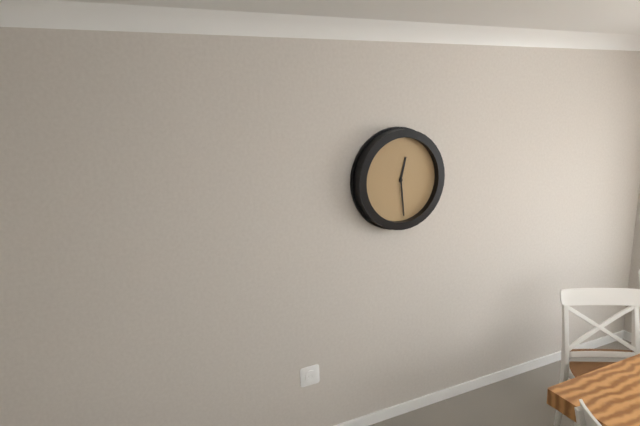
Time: {"hour": 12, "minute": 29}
